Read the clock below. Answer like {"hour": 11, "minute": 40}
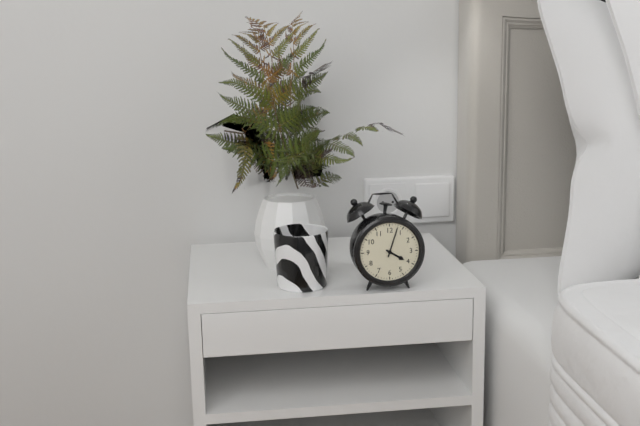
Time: {"hour": 4, "minute": 3}
